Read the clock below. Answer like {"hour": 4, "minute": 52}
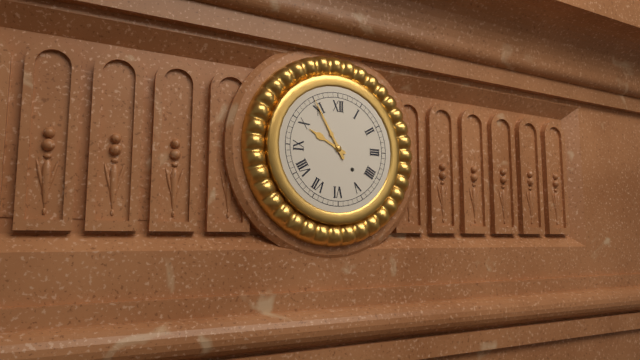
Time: {"hour": 9, "minute": 55}
